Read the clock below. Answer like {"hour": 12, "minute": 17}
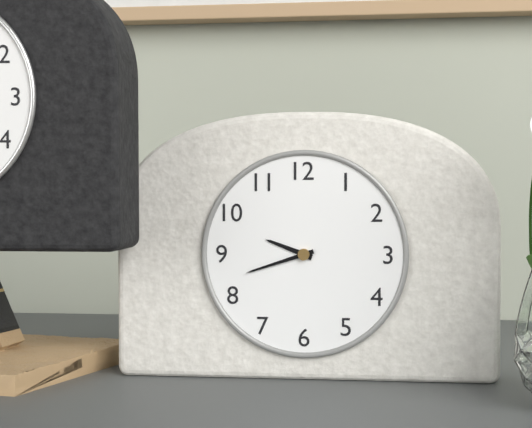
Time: {"hour": 9, "minute": 42}
